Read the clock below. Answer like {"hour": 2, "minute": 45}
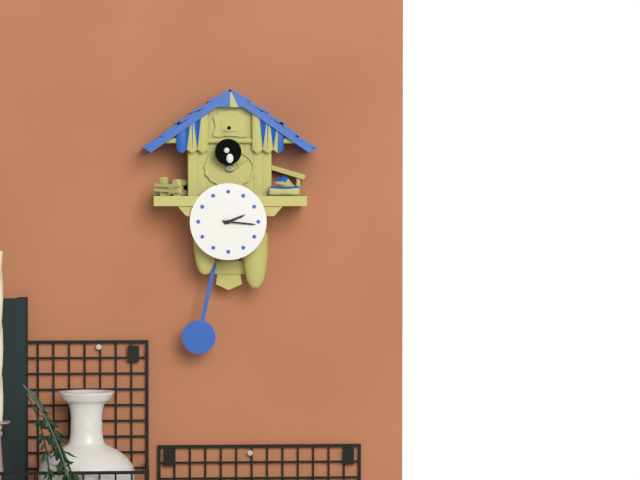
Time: {"hour": 2, "minute": 16}
